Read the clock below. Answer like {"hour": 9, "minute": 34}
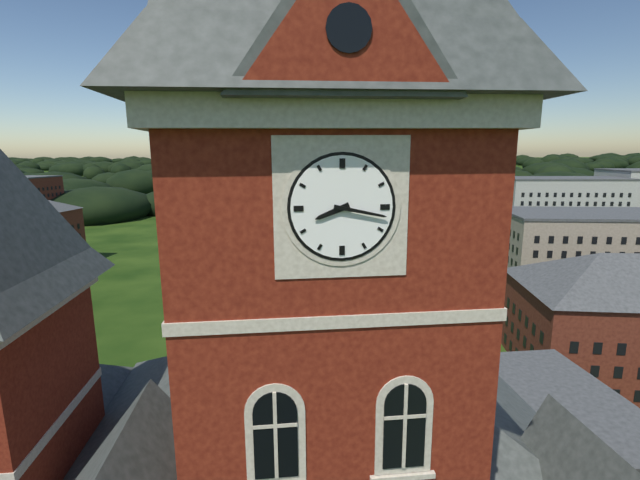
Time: {"hour": 8, "minute": 17}
